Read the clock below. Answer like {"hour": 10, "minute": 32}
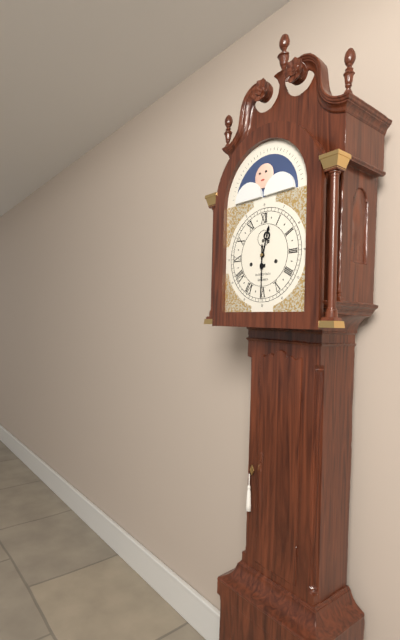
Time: {"hour": 12, "minute": 30}
